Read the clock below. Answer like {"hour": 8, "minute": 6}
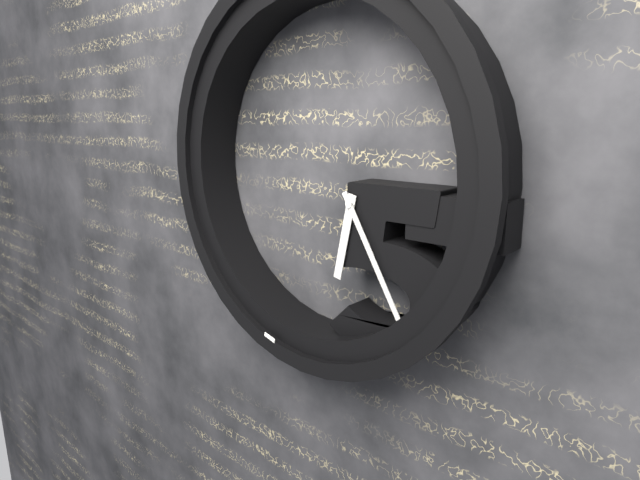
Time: {"hour": 6, "minute": 25}
